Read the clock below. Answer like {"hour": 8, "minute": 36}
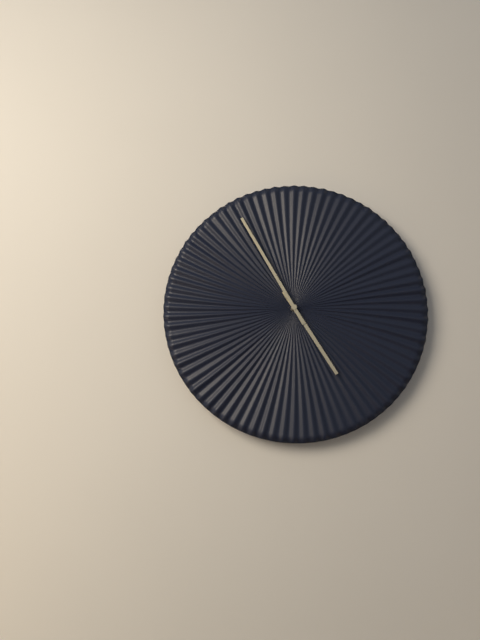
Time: {"hour": 4, "minute": 55}
